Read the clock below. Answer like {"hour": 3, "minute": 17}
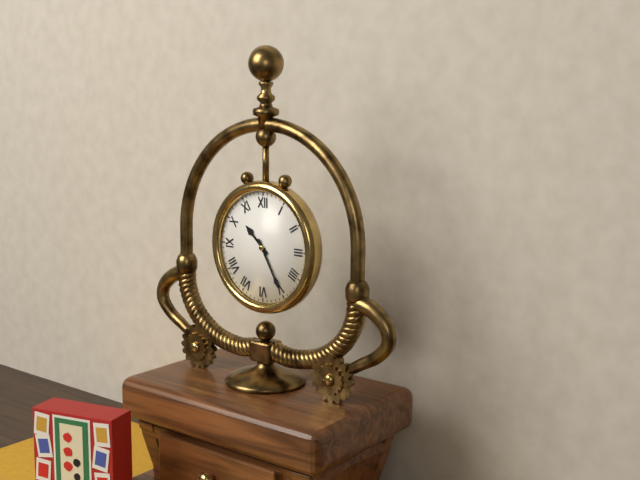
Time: {"hour": 10, "minute": 25}
